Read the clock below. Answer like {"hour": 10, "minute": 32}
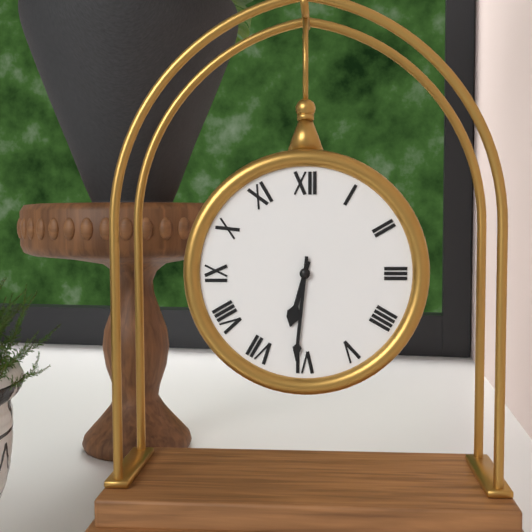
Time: {"hour": 6, "minute": 31}
